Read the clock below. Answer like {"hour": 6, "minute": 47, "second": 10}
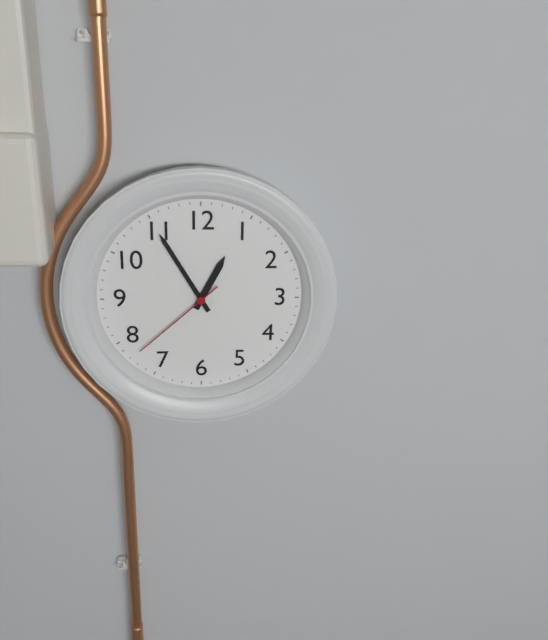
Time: {"hour": 12, "minute": 55, "second": 38}
